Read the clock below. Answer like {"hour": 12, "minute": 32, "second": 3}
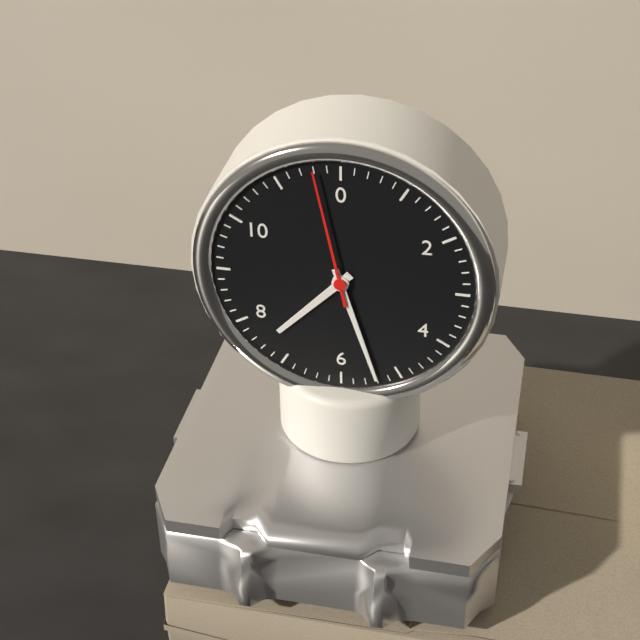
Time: {"hour": 7, "minute": 27, "second": 58}
